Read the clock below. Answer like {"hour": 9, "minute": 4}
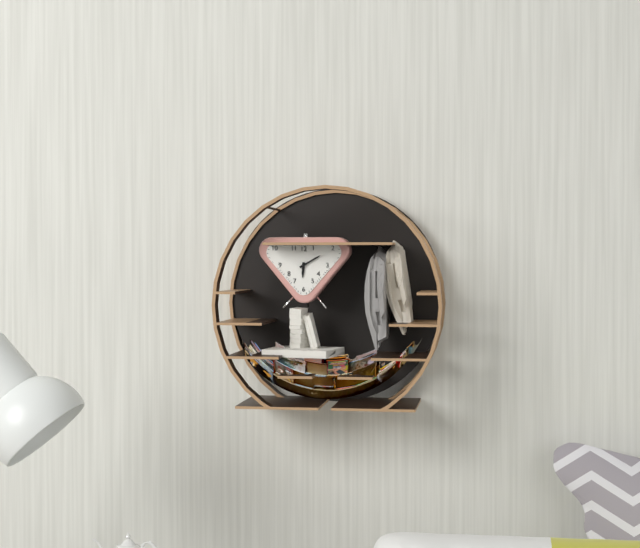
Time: {"hour": 6, "minute": 10}
